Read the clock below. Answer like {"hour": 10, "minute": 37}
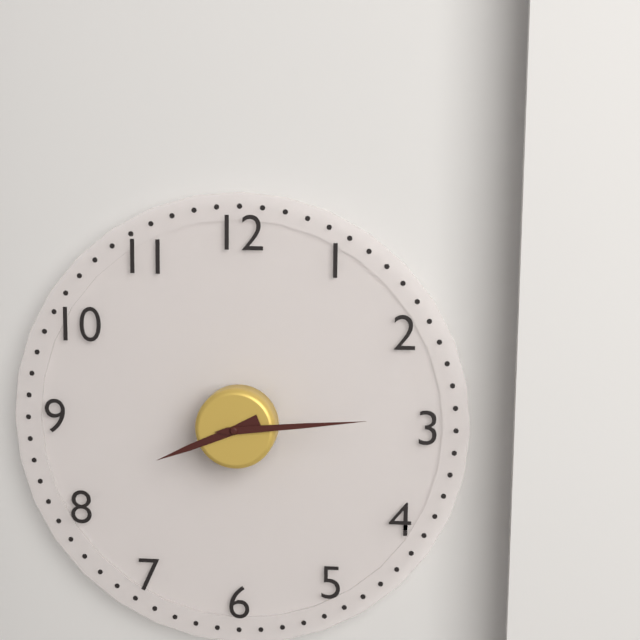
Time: {"hour": 8, "minute": 14}
